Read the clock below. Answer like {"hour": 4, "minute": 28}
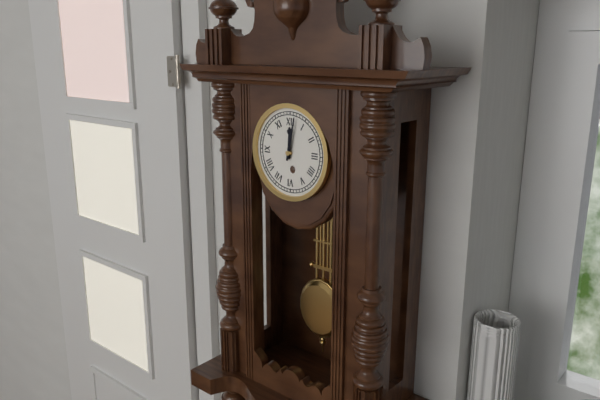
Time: {"hour": 12, "minute": 2}
